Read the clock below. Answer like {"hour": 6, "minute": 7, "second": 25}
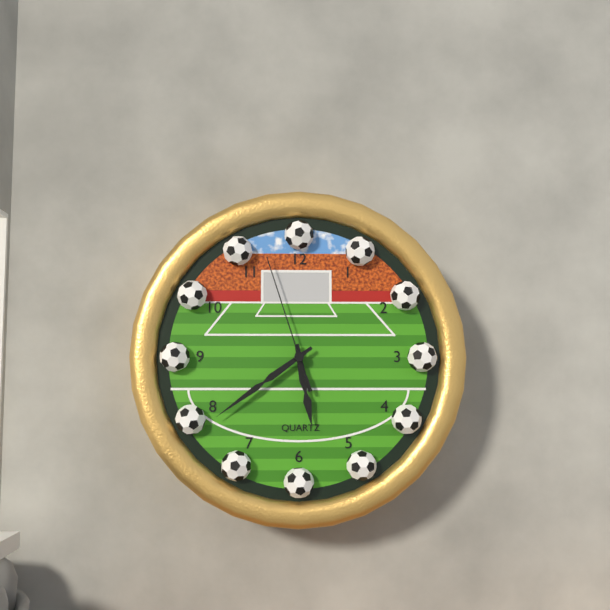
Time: {"hour": 5, "minute": 39, "second": 57}
